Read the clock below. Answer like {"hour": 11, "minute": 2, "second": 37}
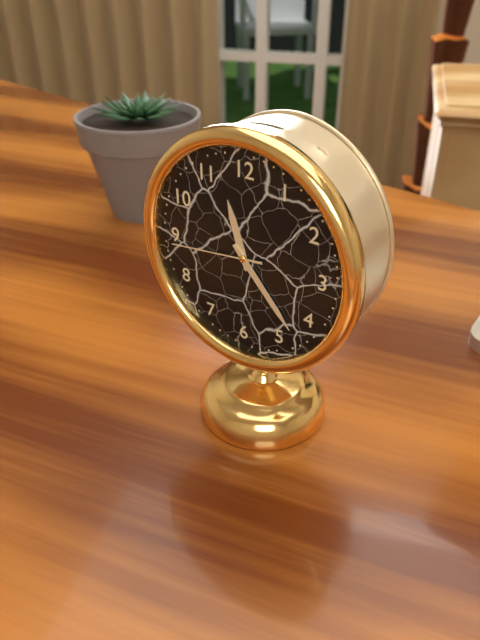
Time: {"hour": 11, "minute": 23, "second": 44}
